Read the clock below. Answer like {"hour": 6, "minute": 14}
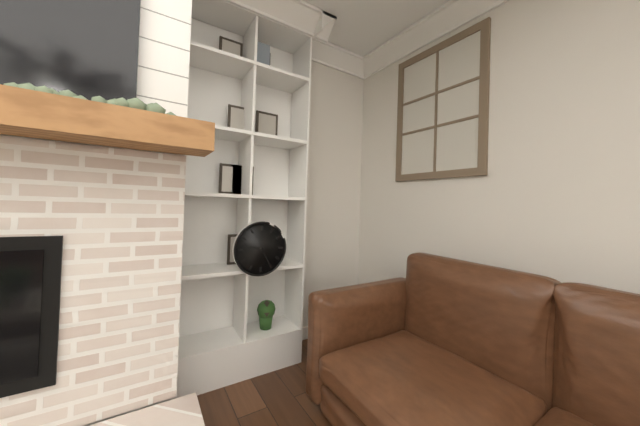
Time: {"hour": 9, "minute": 25}
